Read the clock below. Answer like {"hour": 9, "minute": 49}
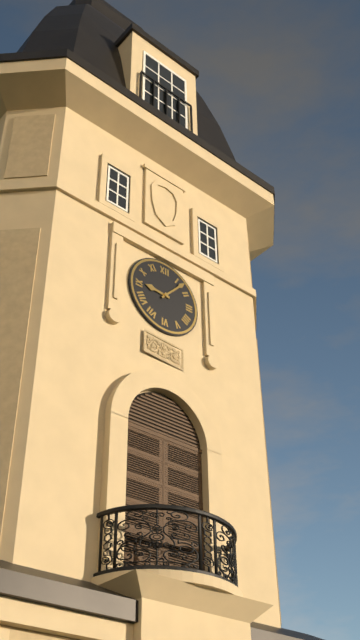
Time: {"hour": 9, "minute": 7}
